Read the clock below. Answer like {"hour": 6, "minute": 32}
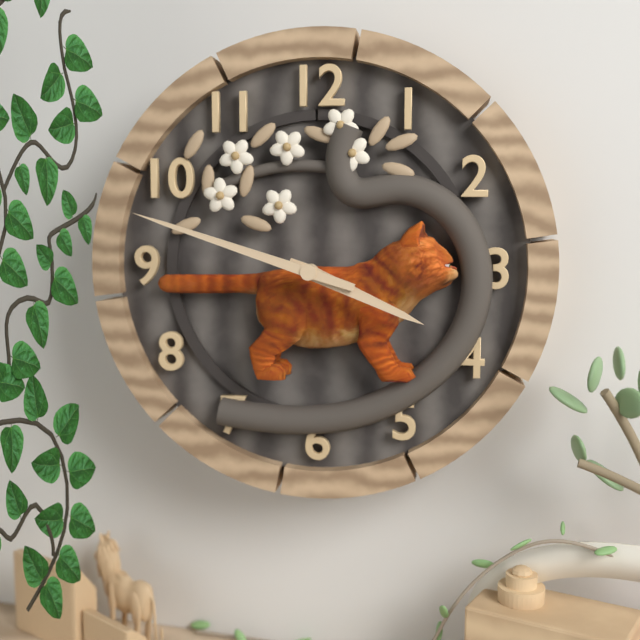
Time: {"hour": 3, "minute": 48}
